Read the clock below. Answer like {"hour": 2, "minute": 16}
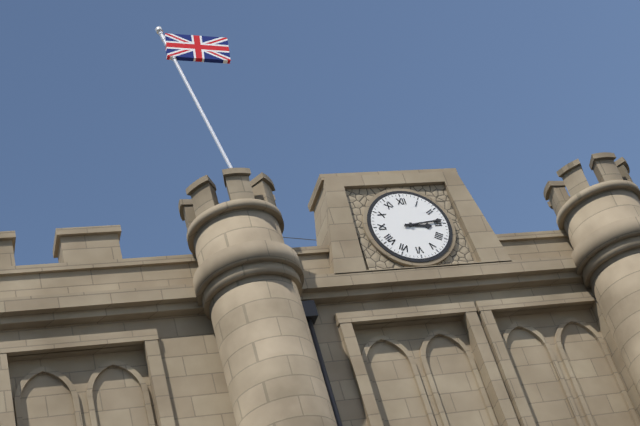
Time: {"hour": 3, "minute": 14}
